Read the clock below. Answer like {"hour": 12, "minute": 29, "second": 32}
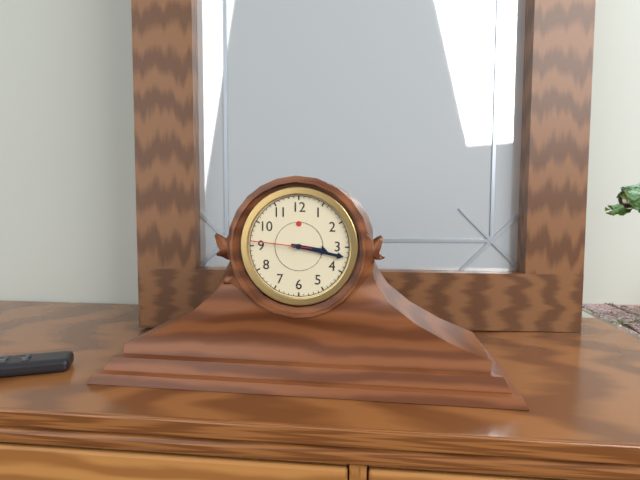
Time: {"hour": 3, "minute": 17, "second": 46}
